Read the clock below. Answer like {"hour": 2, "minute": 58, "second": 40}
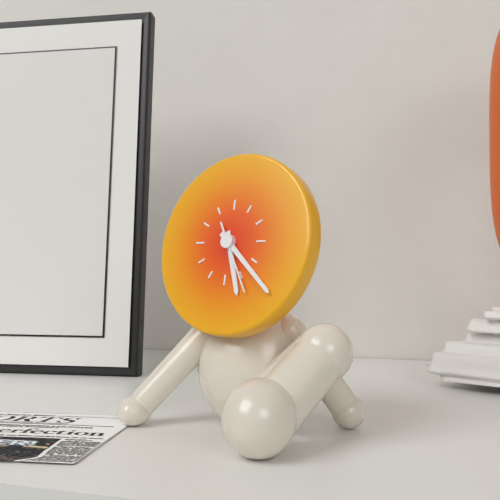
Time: {"hour": 5, "minute": 22, "second": 25}
